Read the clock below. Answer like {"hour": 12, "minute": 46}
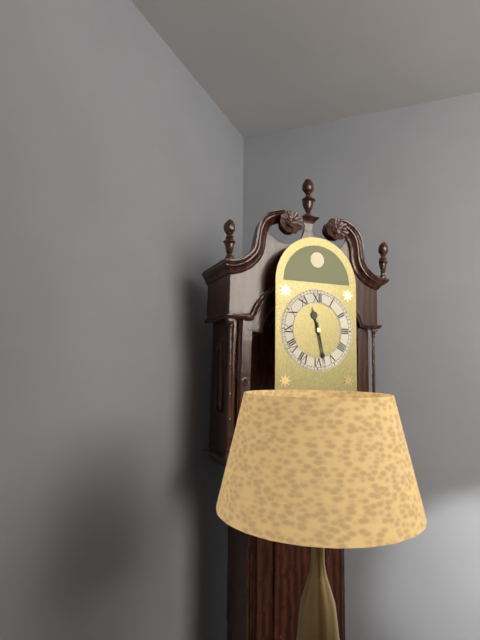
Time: {"hour": 11, "minute": 28}
